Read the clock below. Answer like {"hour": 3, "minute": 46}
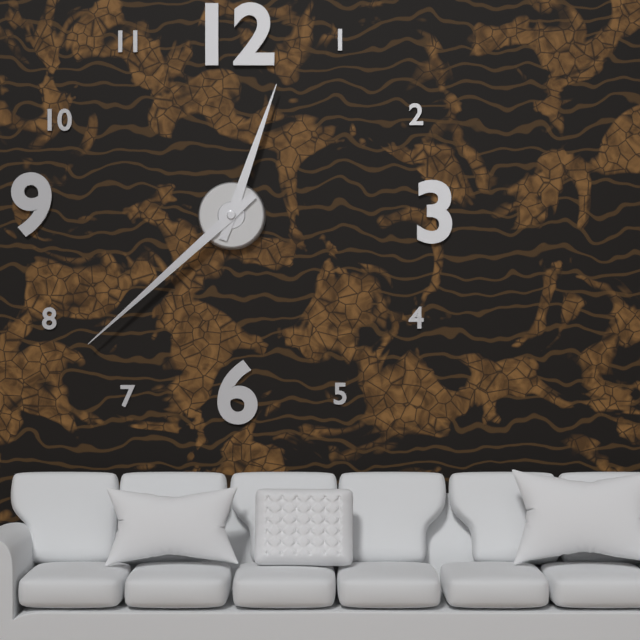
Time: {"hour": 12, "minute": 38}
